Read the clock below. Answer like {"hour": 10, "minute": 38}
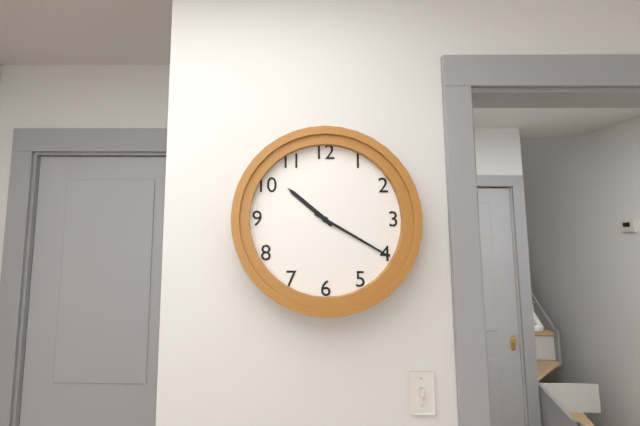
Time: {"hour": 10, "minute": 20}
